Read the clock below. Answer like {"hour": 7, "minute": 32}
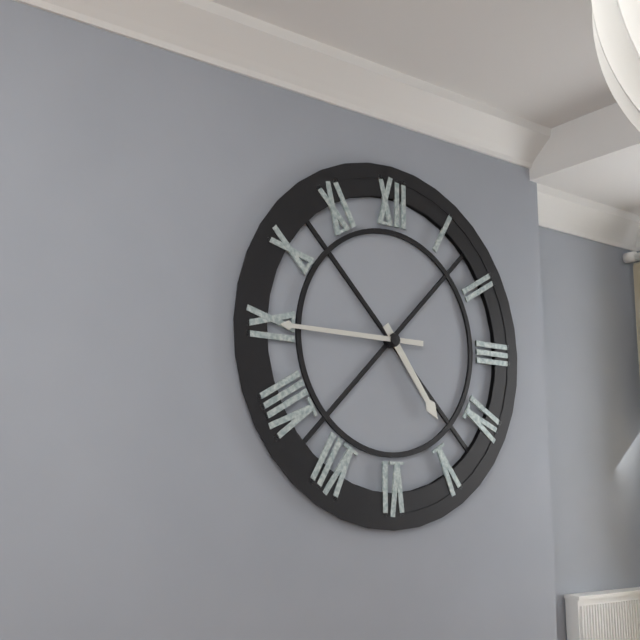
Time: {"hour": 4, "minute": 45}
